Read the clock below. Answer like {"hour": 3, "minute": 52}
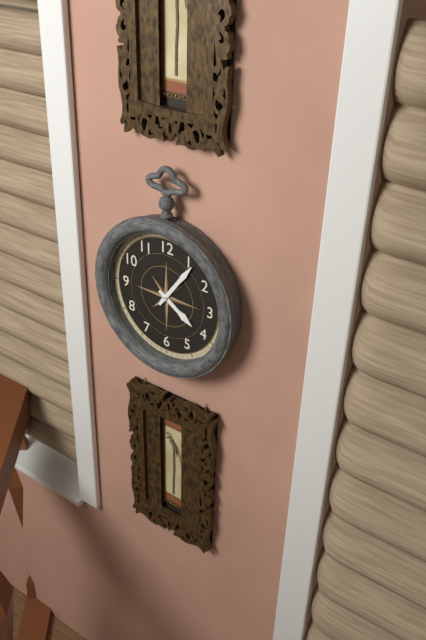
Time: {"hour": 4, "minute": 6}
